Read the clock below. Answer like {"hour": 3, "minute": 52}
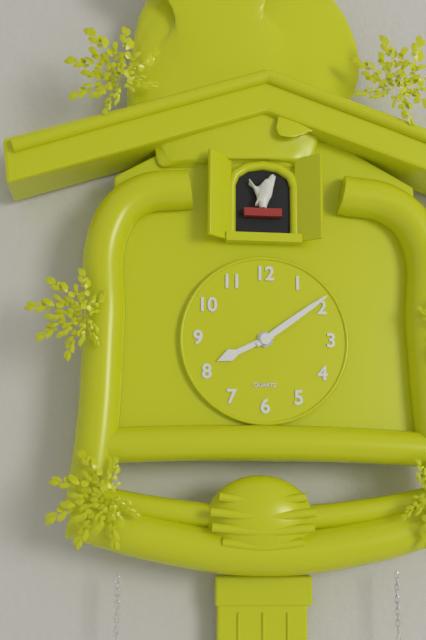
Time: {"hour": 8, "minute": 9}
